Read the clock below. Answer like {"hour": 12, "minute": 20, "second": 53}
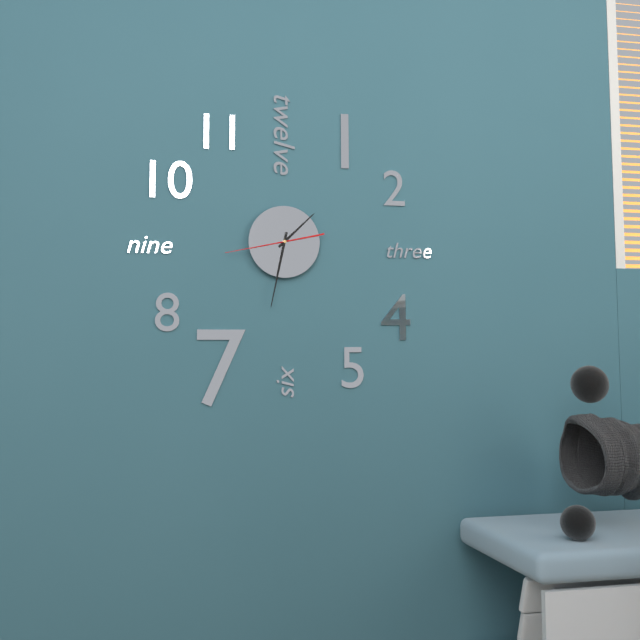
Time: {"hour": 1, "minute": 32, "second": 43}
